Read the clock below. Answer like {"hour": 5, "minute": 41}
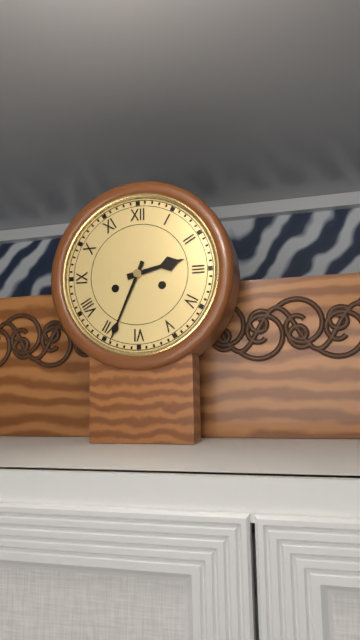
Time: {"hour": 2, "minute": 34}
